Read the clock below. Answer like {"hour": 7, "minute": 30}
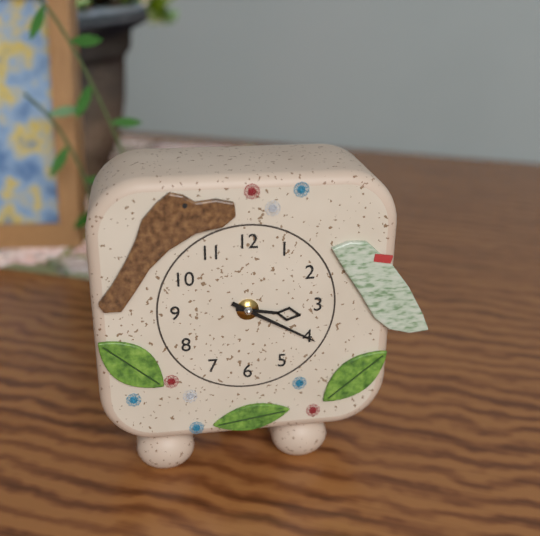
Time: {"hour": 3, "minute": 20}
